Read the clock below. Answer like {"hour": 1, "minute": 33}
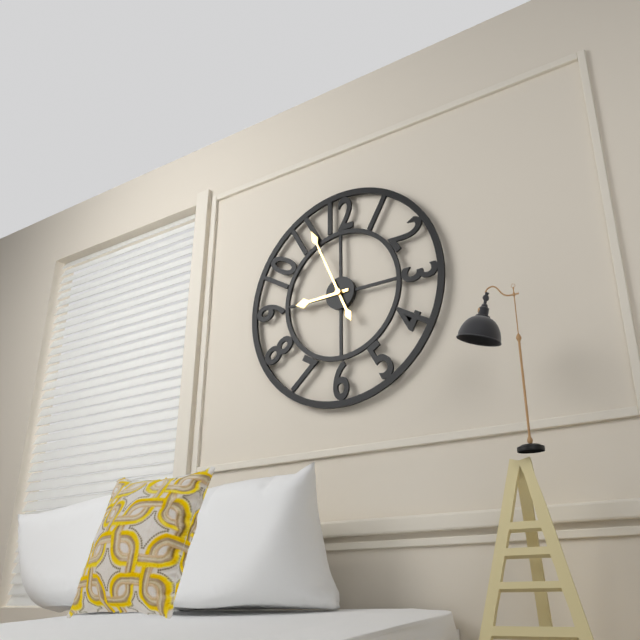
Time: {"hour": 8, "minute": 56}
